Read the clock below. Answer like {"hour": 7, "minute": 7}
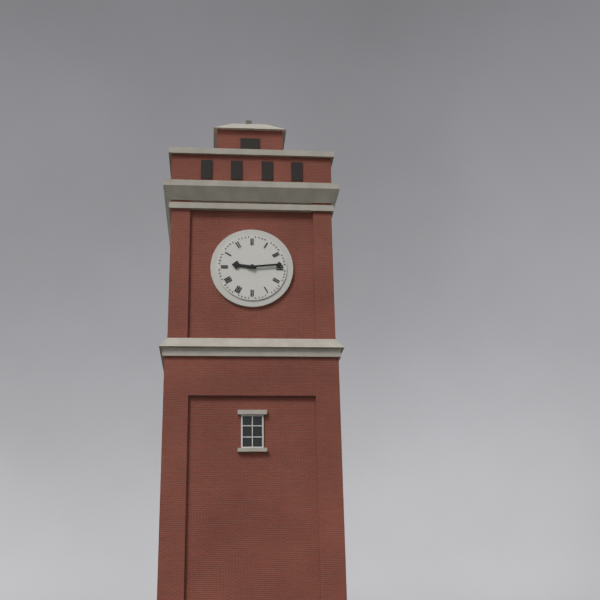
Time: {"hour": 9, "minute": 14}
